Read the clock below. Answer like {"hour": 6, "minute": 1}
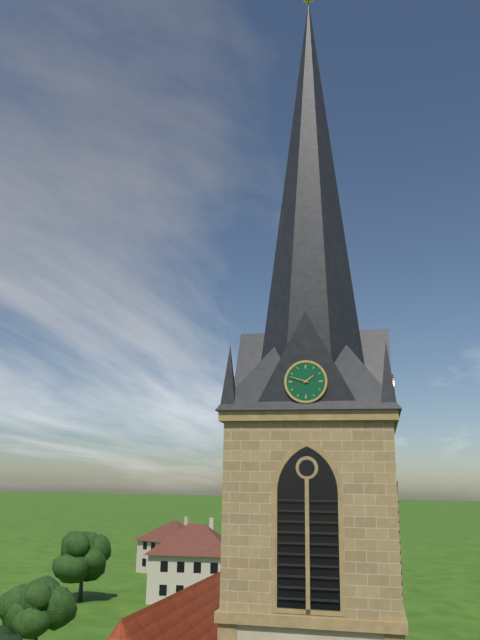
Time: {"hour": 1, "minute": 48}
